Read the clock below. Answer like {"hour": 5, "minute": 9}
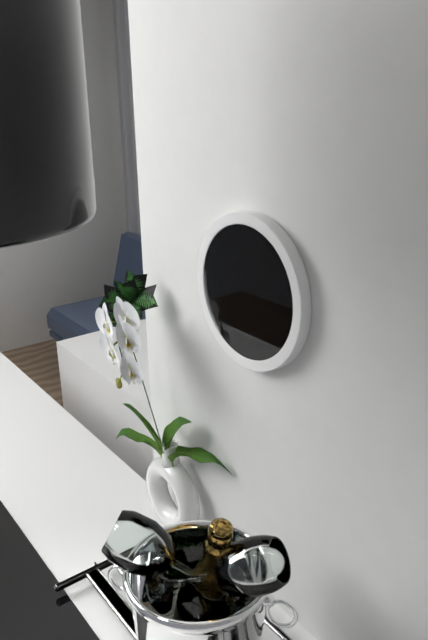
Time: {"hour": 10, "minute": 30}
